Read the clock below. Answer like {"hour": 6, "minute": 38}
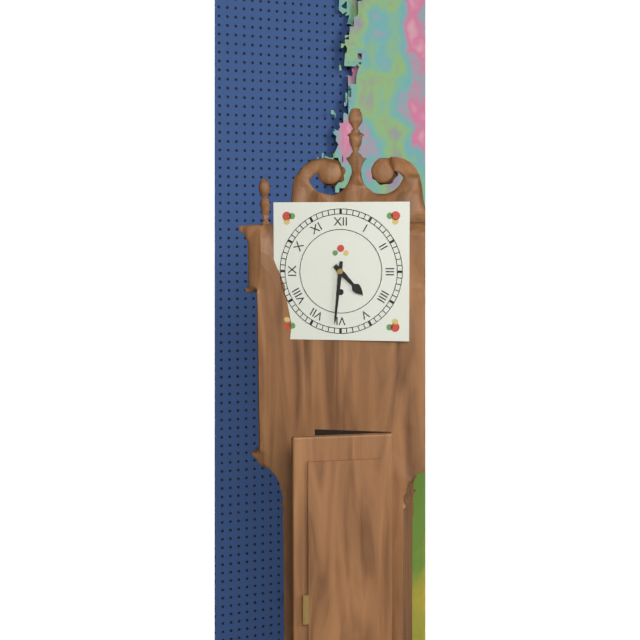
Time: {"hour": 4, "minute": 31}
